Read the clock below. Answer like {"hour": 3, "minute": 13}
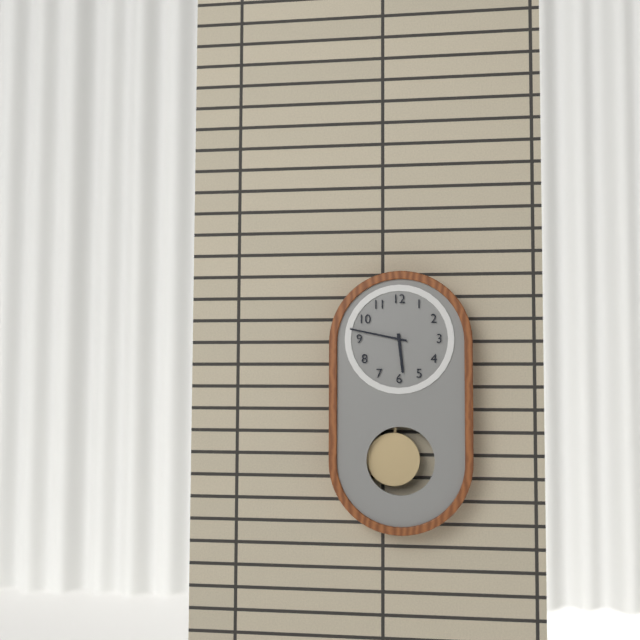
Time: {"hour": 5, "minute": 47}
